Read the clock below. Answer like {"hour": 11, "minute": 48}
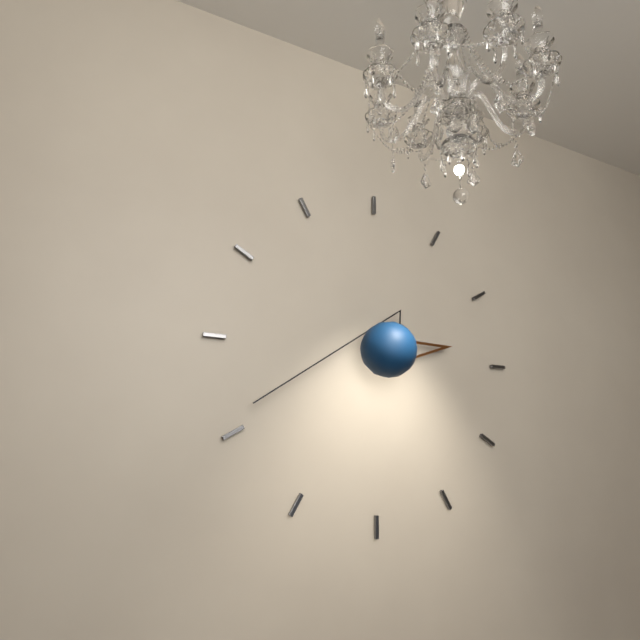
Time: {"hour": 2, "minute": 41}
